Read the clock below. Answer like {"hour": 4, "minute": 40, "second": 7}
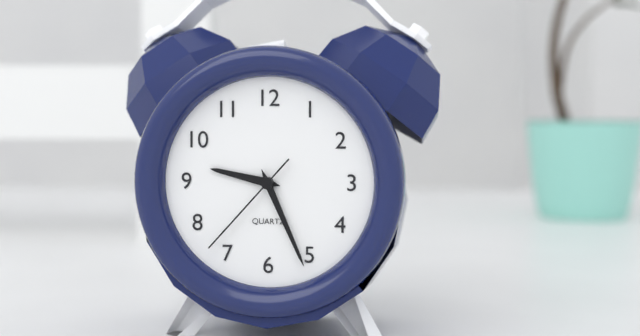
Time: {"hour": 9, "minute": 26, "second": 37}
